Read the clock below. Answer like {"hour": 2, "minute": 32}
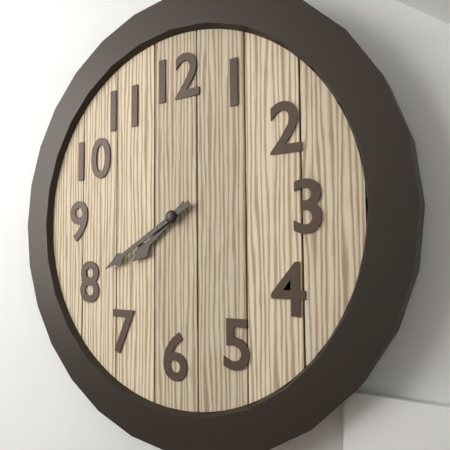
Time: {"hour": 7, "minute": 40}
